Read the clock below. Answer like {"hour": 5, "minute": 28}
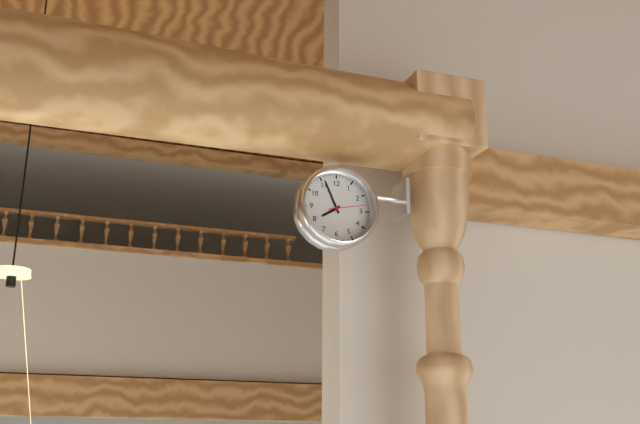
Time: {"hour": 7, "minute": 56}
